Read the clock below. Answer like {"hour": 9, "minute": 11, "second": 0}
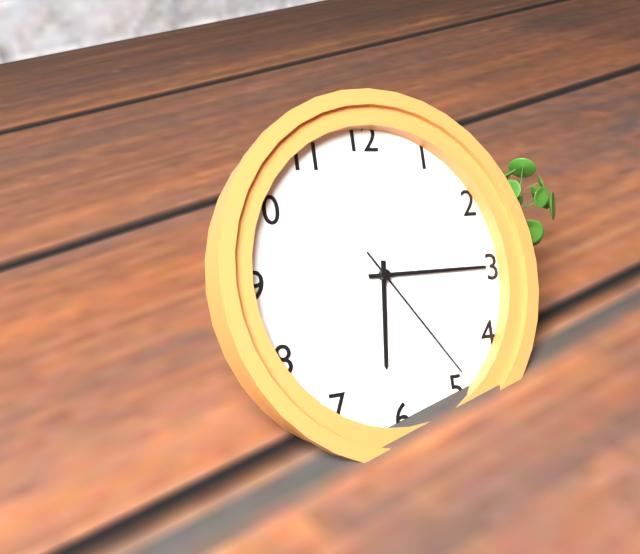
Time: {"hour": 6, "minute": 15, "second": 24}
